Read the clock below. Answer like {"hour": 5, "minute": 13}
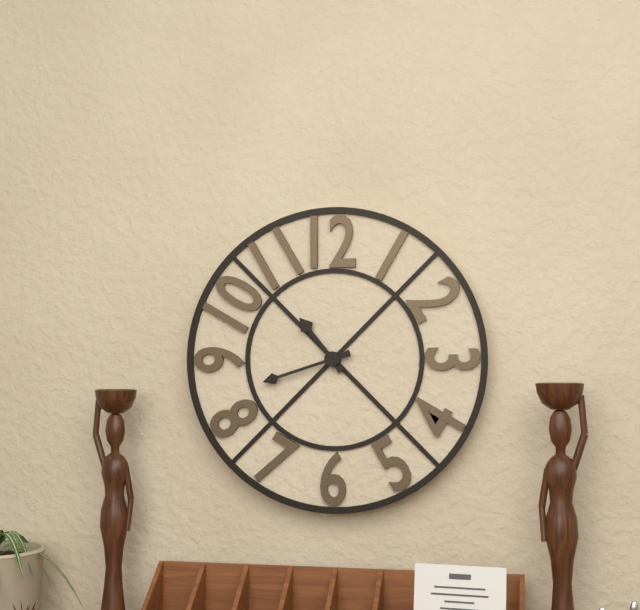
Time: {"hour": 10, "minute": 42}
